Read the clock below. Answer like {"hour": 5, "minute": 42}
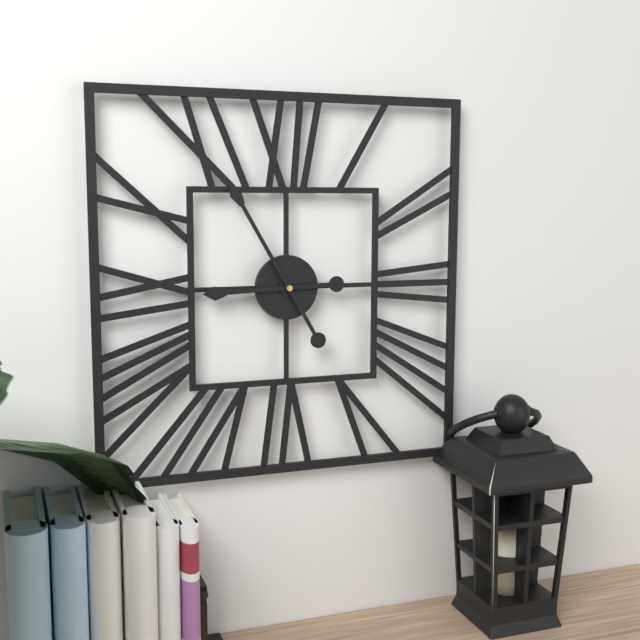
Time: {"hour": 8, "minute": 55}
